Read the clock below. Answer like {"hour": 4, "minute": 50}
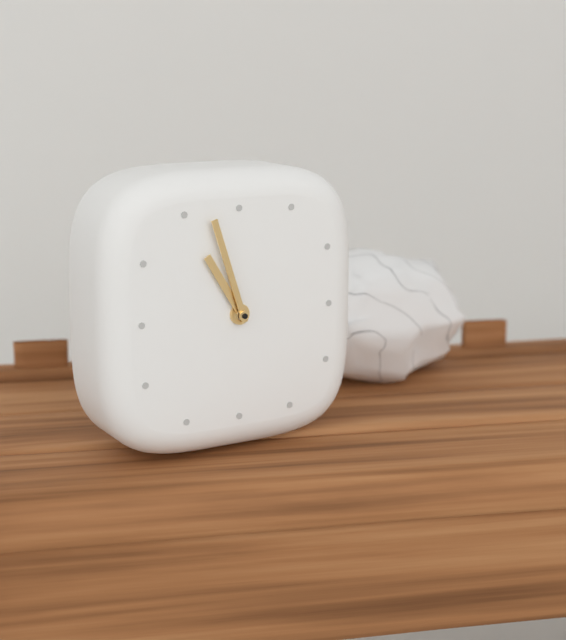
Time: {"hour": 10, "minute": 57}
